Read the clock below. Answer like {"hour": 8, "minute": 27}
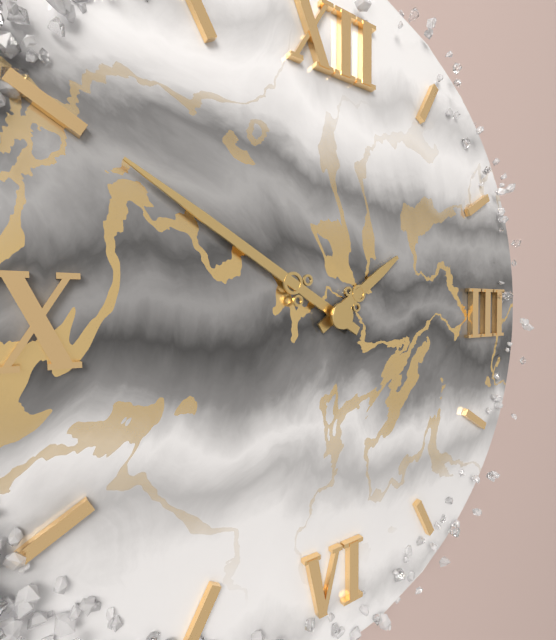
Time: {"hour": 1, "minute": 50}
